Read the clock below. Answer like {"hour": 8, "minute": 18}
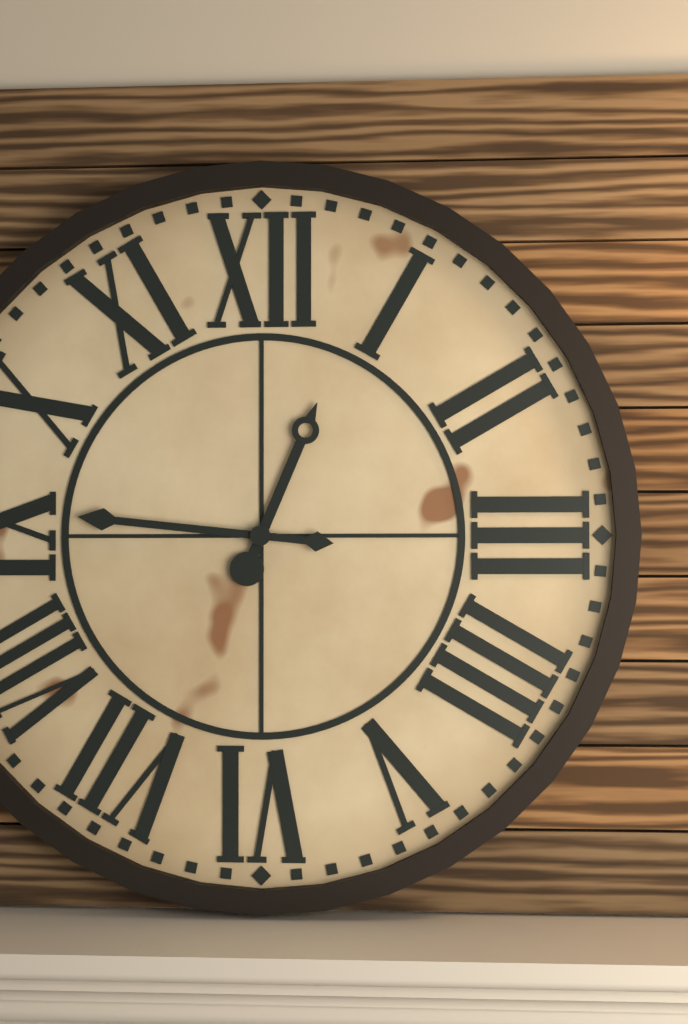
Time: {"hour": 12, "minute": 46}
